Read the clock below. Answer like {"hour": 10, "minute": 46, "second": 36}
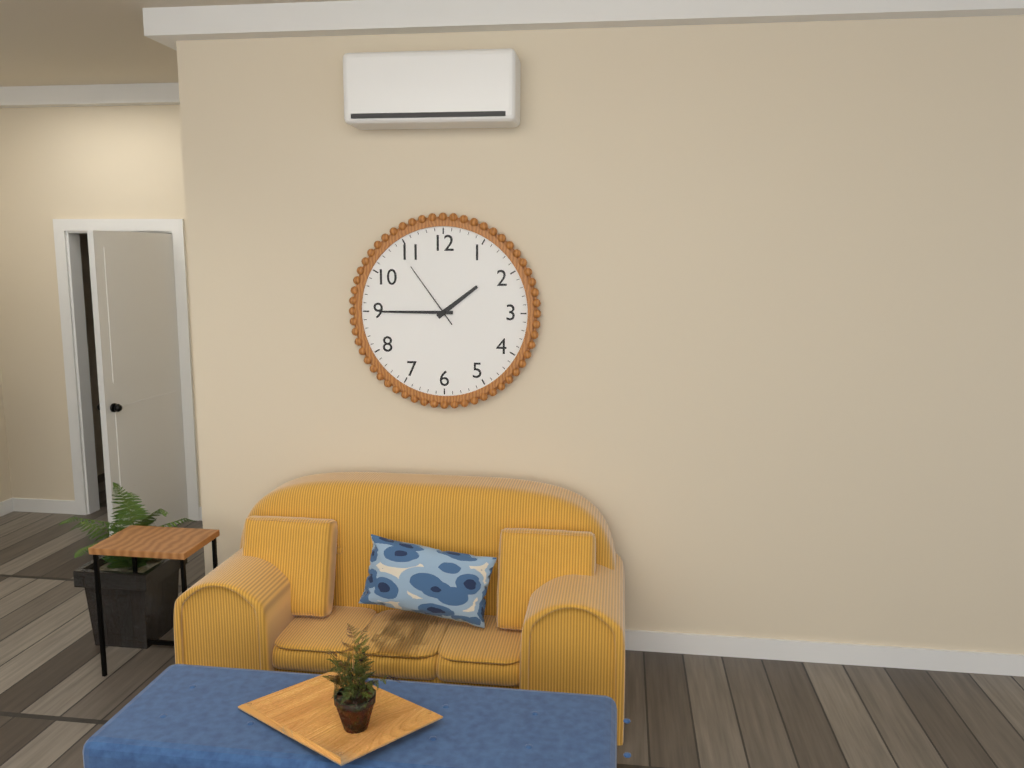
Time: {"hour": 1, "minute": 45, "second": 54}
